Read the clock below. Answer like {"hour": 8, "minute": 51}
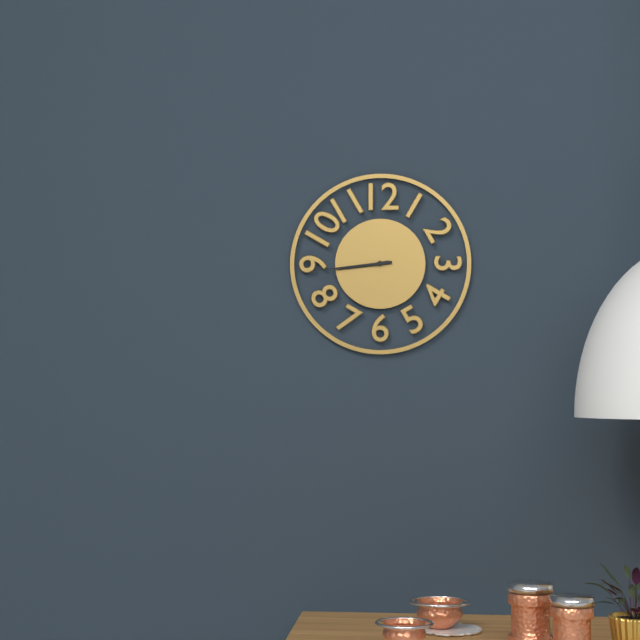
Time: {"hour": 8, "minute": 44}
